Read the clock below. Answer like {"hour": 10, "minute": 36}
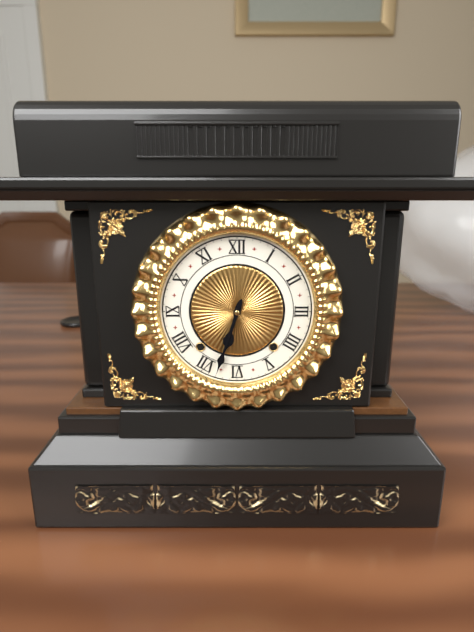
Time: {"hour": 6, "minute": 33}
